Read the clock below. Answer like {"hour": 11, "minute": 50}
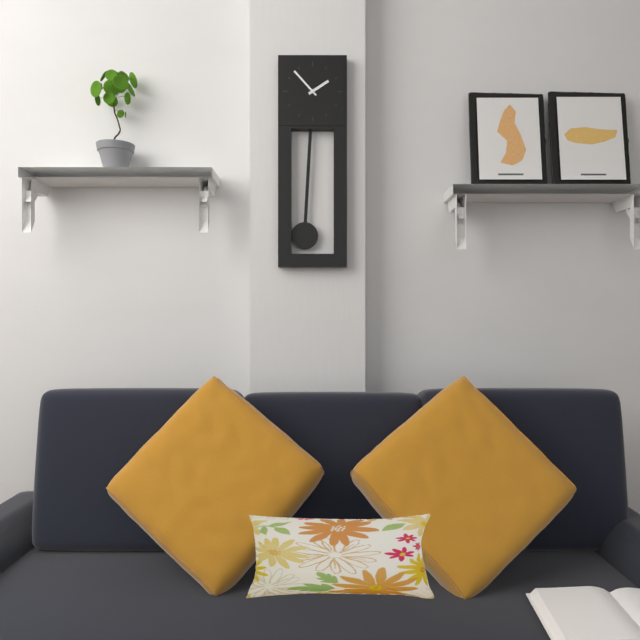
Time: {"hour": 1, "minute": 53}
